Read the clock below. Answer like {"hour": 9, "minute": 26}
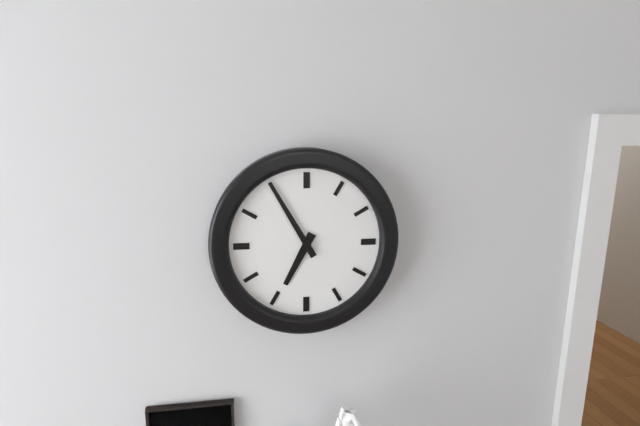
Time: {"hour": 6, "minute": 55}
